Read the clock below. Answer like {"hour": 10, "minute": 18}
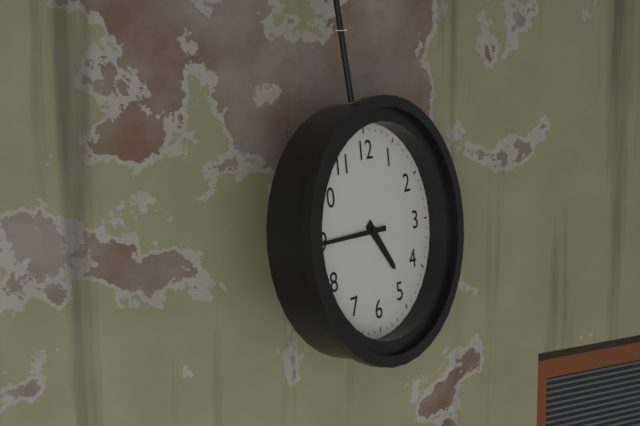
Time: {"hour": 4, "minute": 45}
